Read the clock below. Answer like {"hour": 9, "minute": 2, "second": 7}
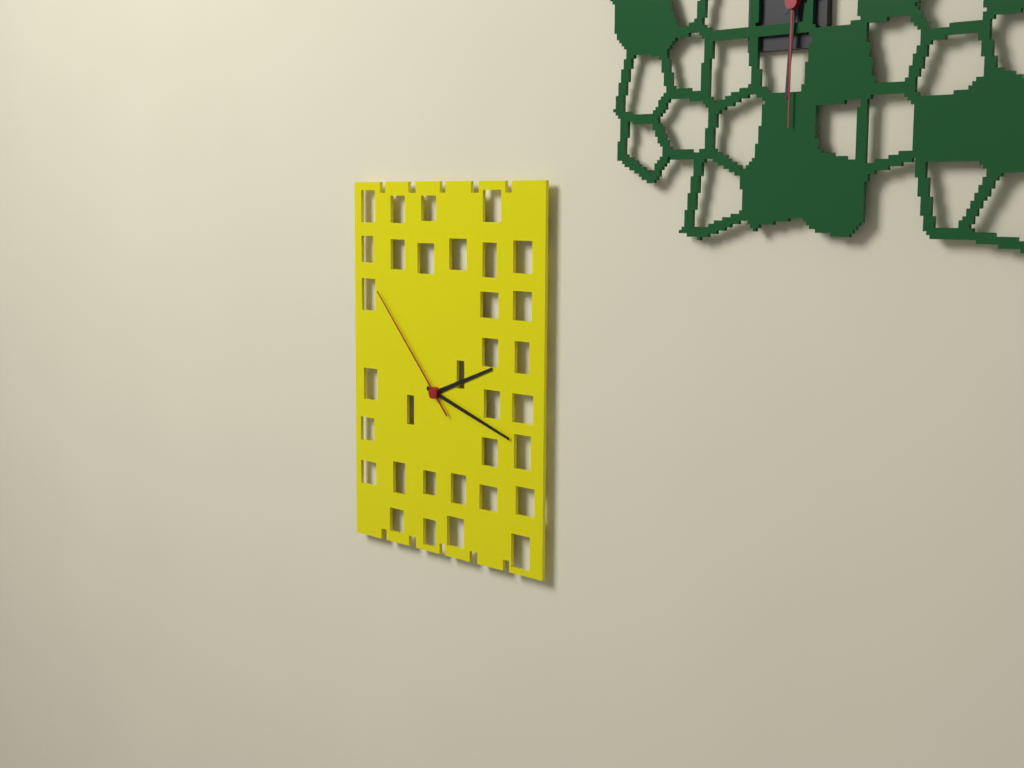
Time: {"hour": 2, "minute": 18, "second": 53}
